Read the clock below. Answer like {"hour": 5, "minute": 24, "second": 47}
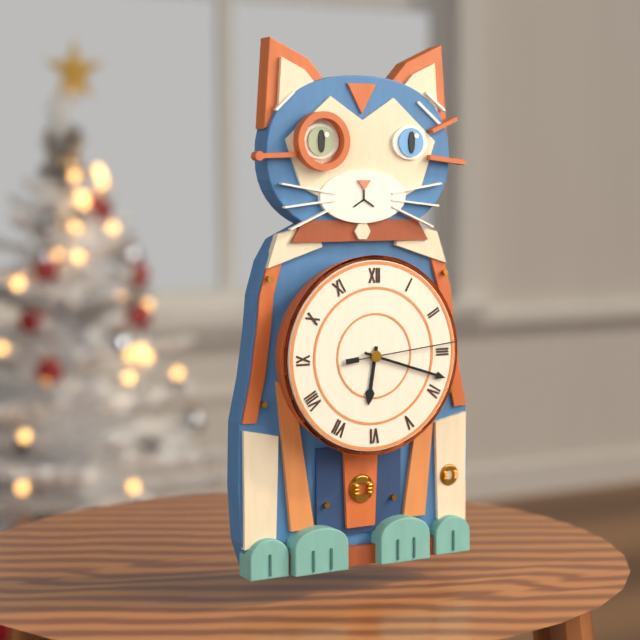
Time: {"hour": 6, "minute": 18, "second": 14}
